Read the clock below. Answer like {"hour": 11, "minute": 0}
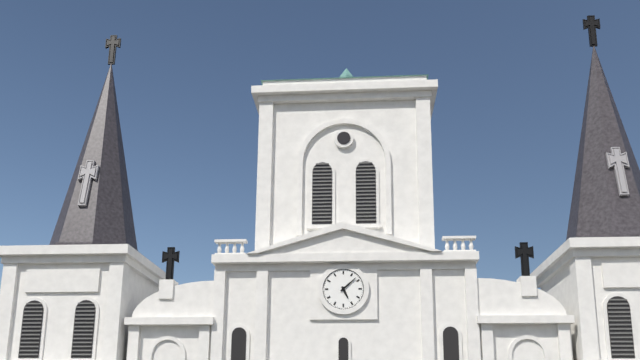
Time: {"hour": 5, "minute": 8}
